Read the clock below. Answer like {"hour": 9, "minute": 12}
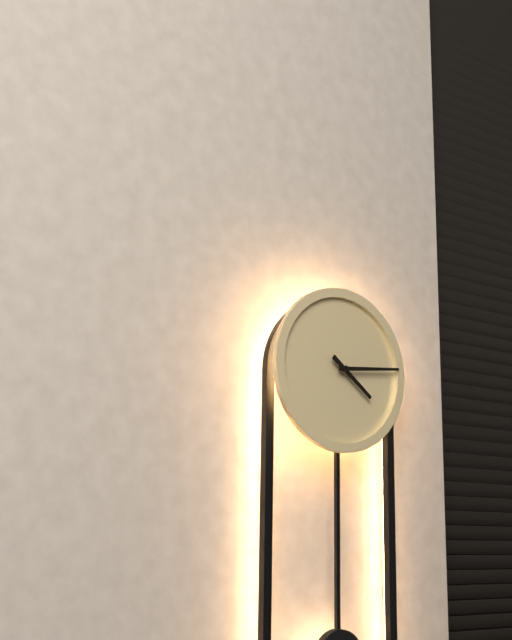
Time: {"hour": 4, "minute": 14}
